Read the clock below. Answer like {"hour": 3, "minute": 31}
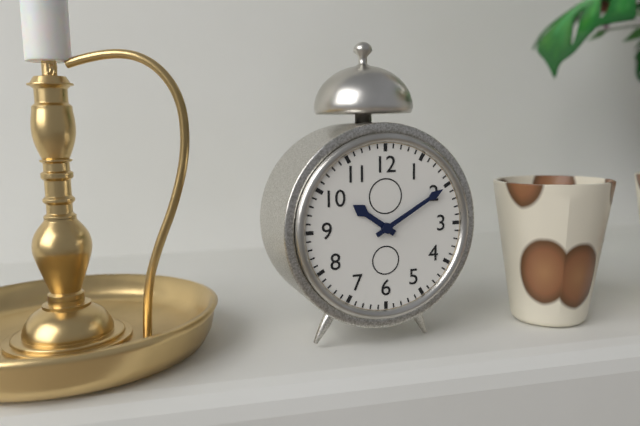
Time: {"hour": 10, "minute": 10}
